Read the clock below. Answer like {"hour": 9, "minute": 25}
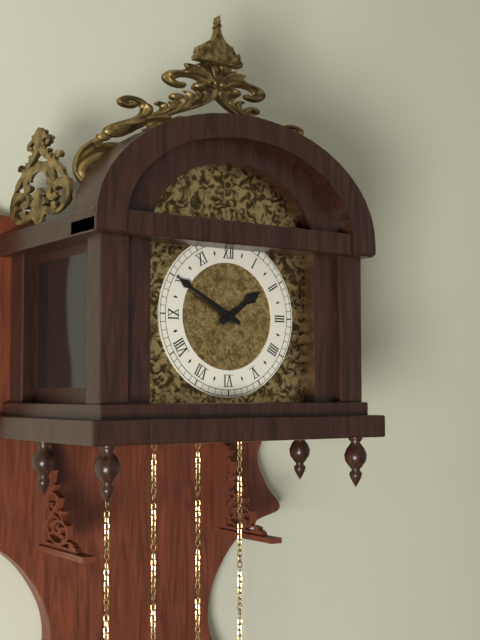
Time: {"hour": 1, "minute": 50}
